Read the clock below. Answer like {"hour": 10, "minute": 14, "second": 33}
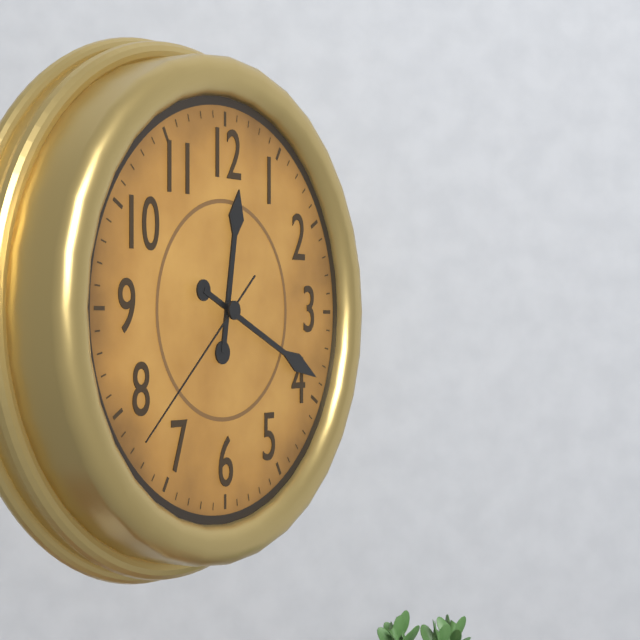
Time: {"hour": 12, "minute": 19, "second": 38}
